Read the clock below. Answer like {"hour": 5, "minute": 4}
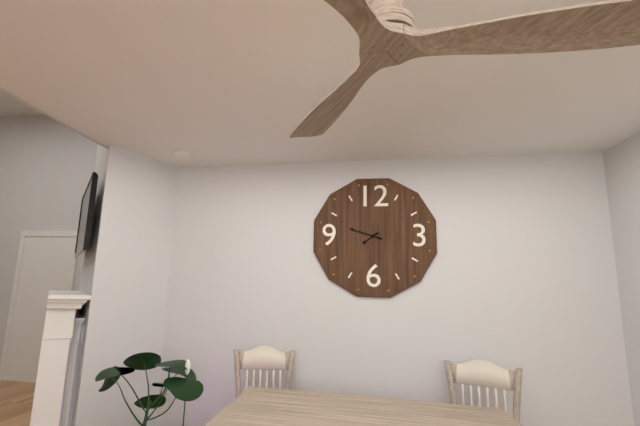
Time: {"hour": 7, "minute": 48}
